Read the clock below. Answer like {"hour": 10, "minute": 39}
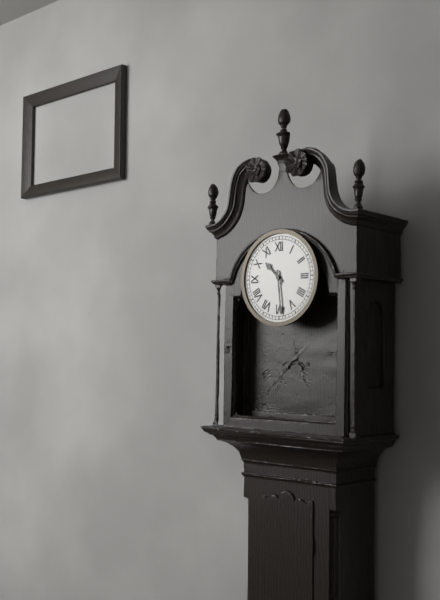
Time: {"hour": 10, "minute": 29}
